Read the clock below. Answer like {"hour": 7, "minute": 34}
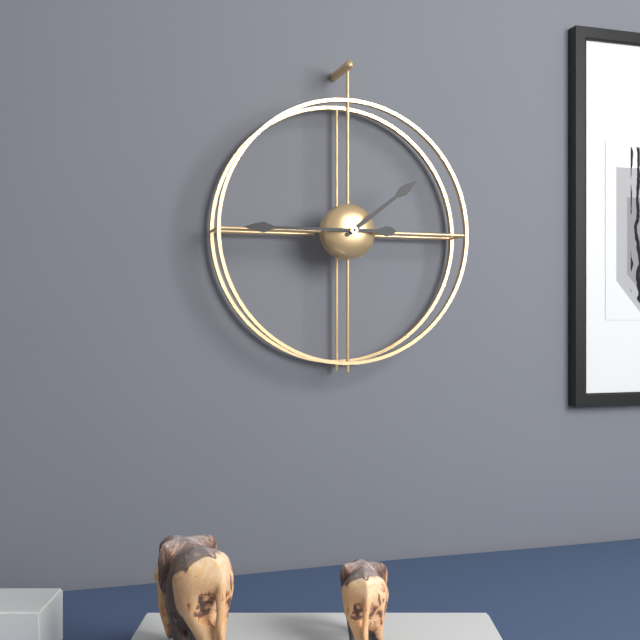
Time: {"hour": 1, "minute": 45}
